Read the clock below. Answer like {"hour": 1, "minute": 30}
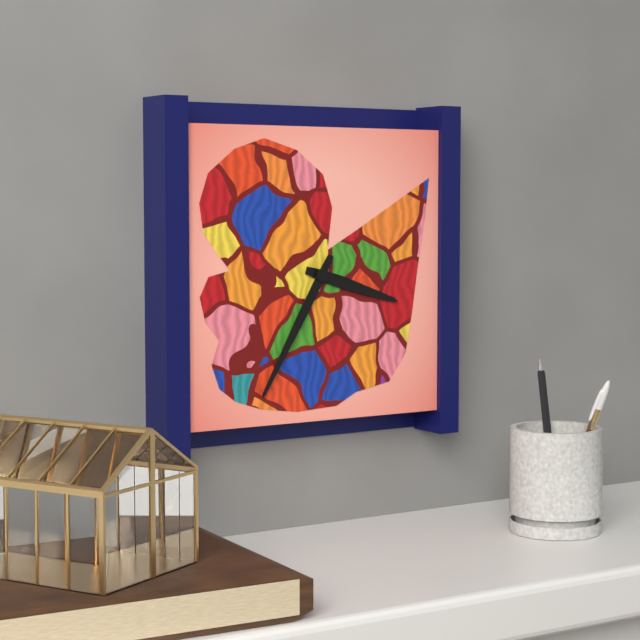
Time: {"hour": 3, "minute": 35}
